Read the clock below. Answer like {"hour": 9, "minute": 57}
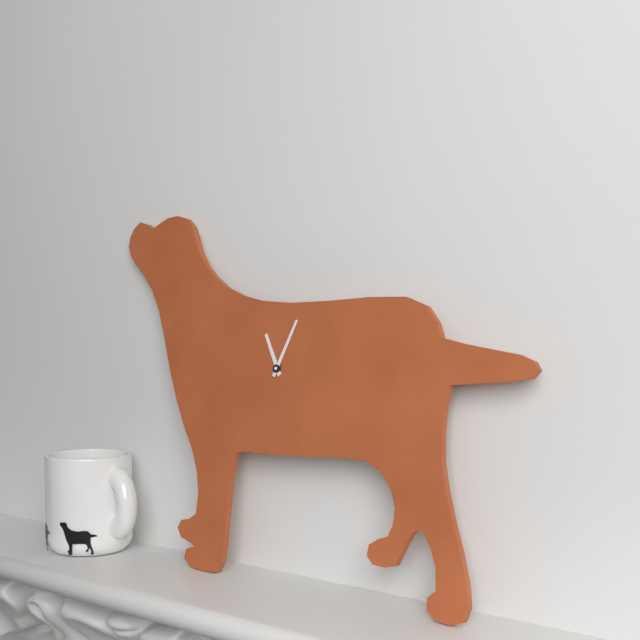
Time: {"hour": 11, "minute": 4}
